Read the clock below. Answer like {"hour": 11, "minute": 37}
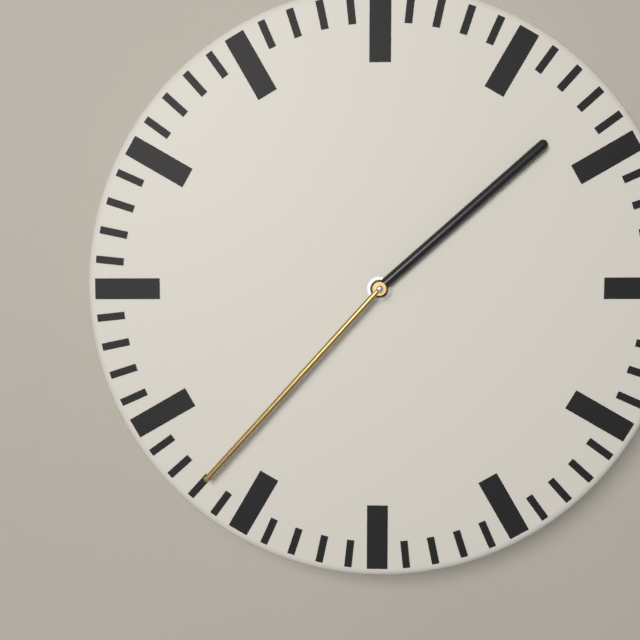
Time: {"hour": 1, "minute": 37}
